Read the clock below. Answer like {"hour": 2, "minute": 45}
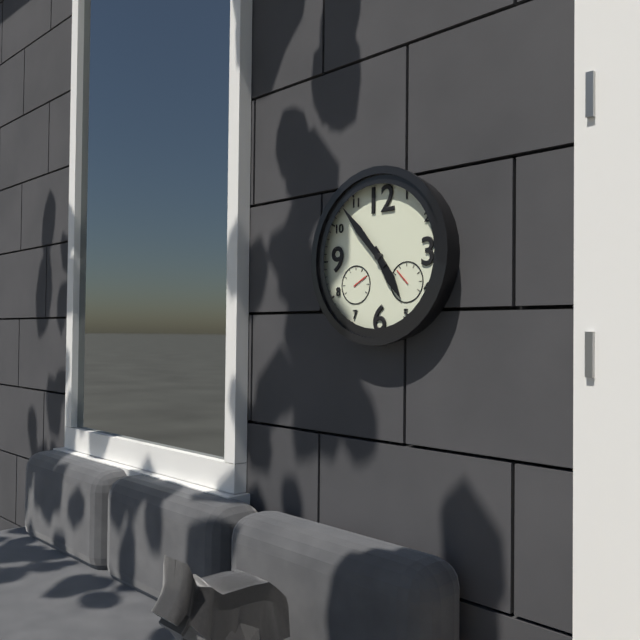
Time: {"hour": 4, "minute": 53}
